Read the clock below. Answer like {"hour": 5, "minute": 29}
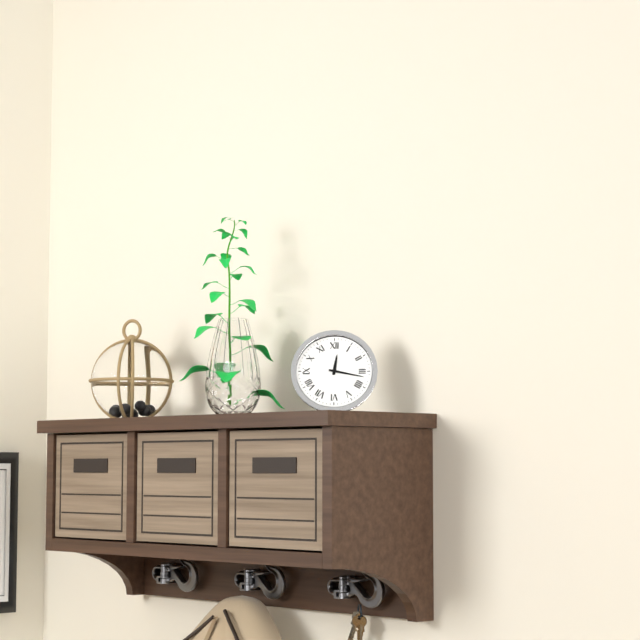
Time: {"hour": 12, "minute": 17}
